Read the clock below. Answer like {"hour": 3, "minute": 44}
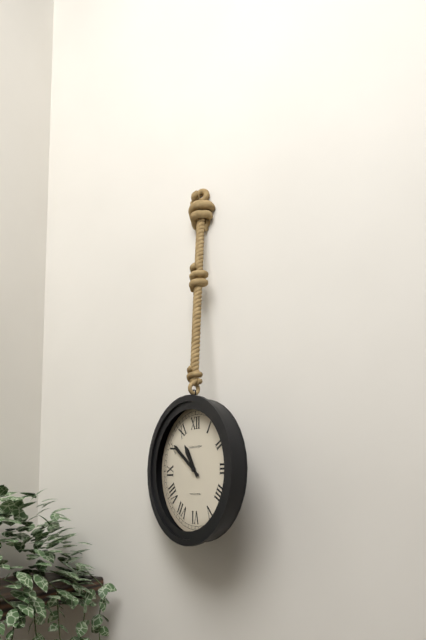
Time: {"hour": 10, "minute": 51}
